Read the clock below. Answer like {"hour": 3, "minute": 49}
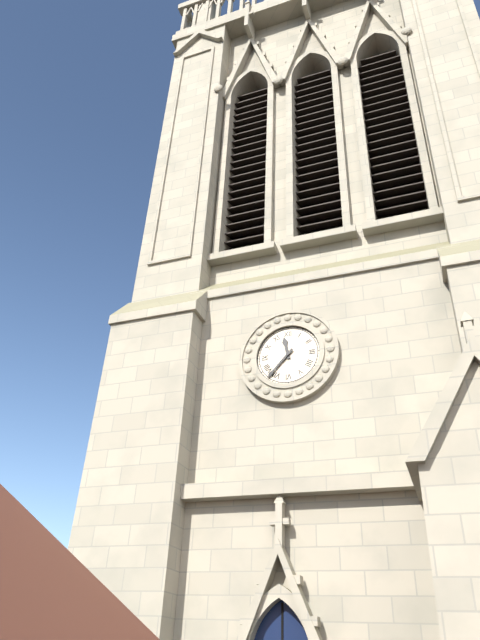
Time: {"hour": 11, "minute": 37}
